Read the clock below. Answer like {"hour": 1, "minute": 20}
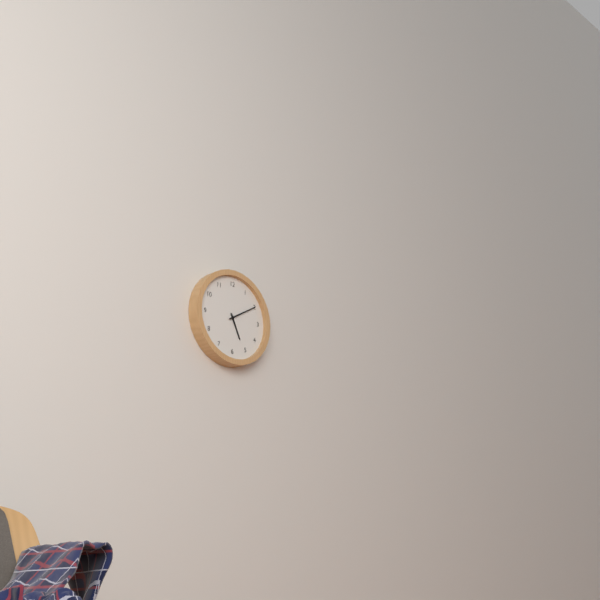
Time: {"hour": 5, "minute": 10}
